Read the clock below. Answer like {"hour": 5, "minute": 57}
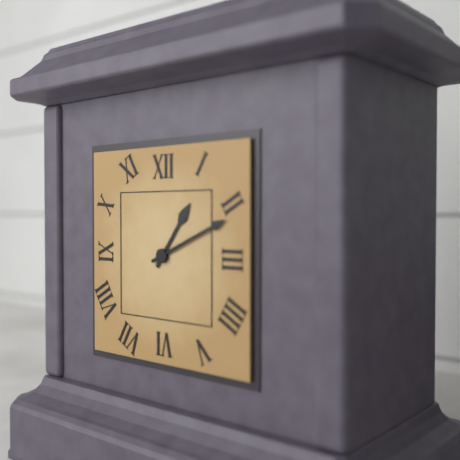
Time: {"hour": 1, "minute": 11}
